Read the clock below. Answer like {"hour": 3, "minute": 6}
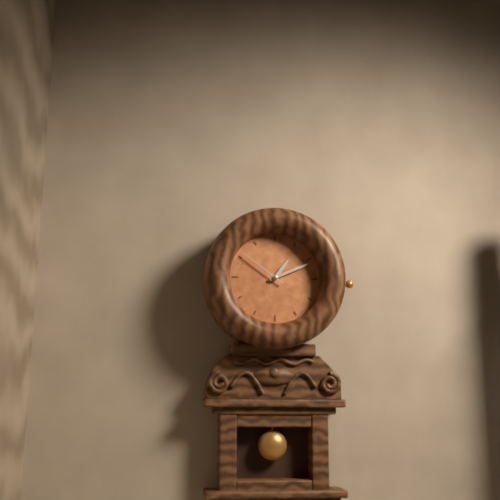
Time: {"hour": 1, "minute": 11}
